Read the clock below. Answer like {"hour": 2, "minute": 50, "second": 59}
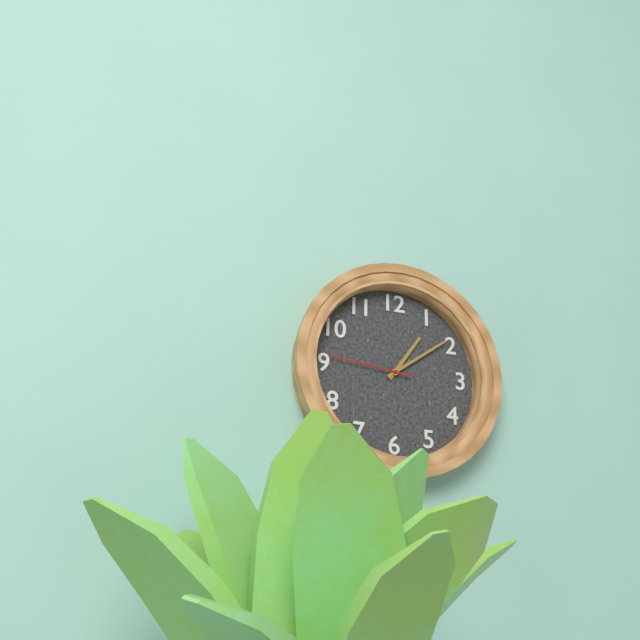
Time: {"hour": 1, "minute": 9, "second": 46}
